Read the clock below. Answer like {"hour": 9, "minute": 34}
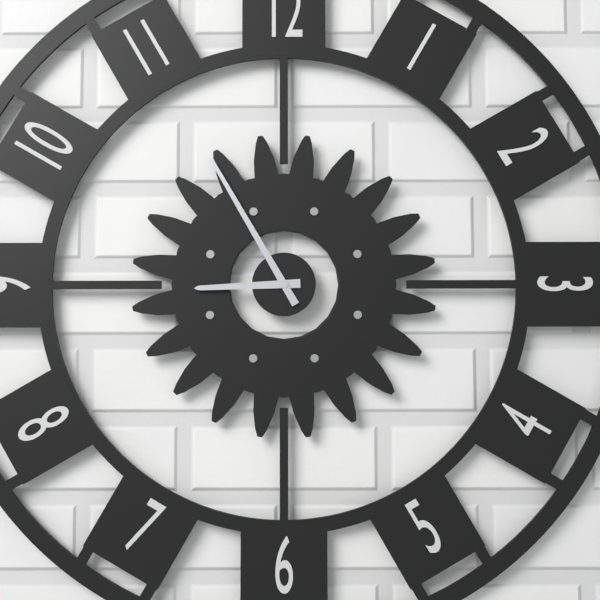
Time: {"hour": 8, "minute": 55}
